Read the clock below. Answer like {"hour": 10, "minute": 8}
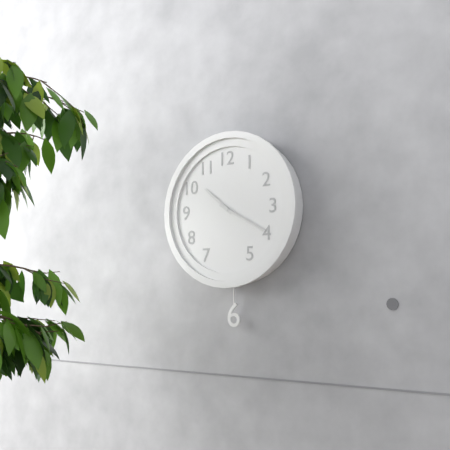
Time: {"hour": 10, "minute": 20}
